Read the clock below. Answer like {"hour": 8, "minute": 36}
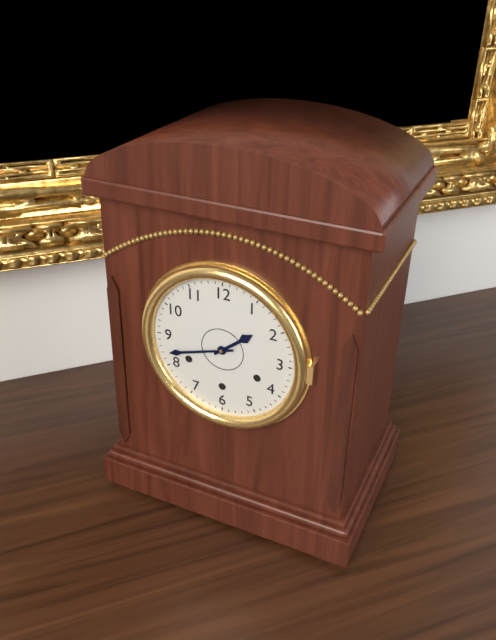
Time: {"hour": 1, "minute": 42}
